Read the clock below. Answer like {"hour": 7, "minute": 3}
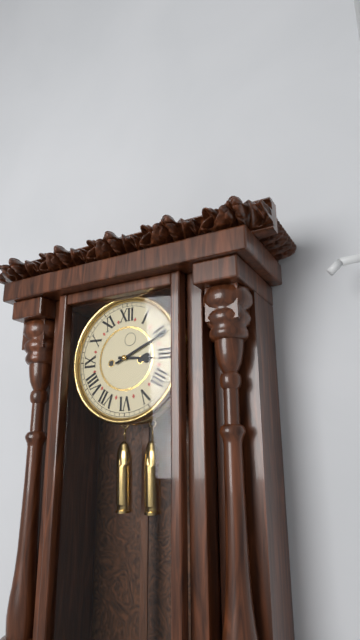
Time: {"hour": 3, "minute": 11}
